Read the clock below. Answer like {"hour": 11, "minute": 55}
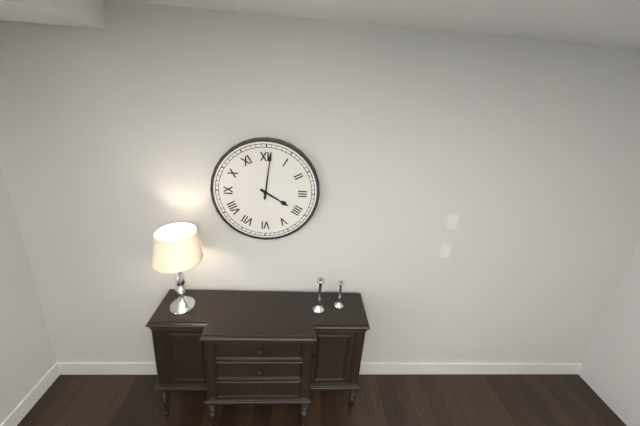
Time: {"hour": 4, "minute": 1}
